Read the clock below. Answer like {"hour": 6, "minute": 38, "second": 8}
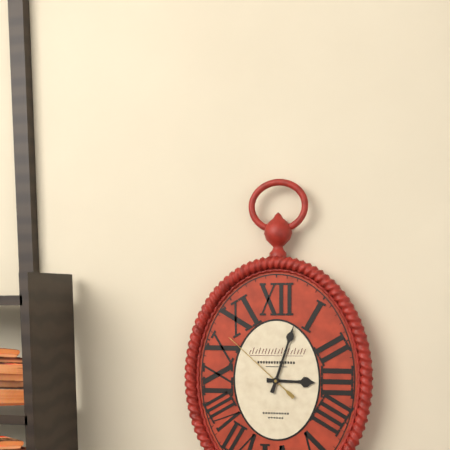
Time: {"hour": 3, "minute": 3, "second": 52}
